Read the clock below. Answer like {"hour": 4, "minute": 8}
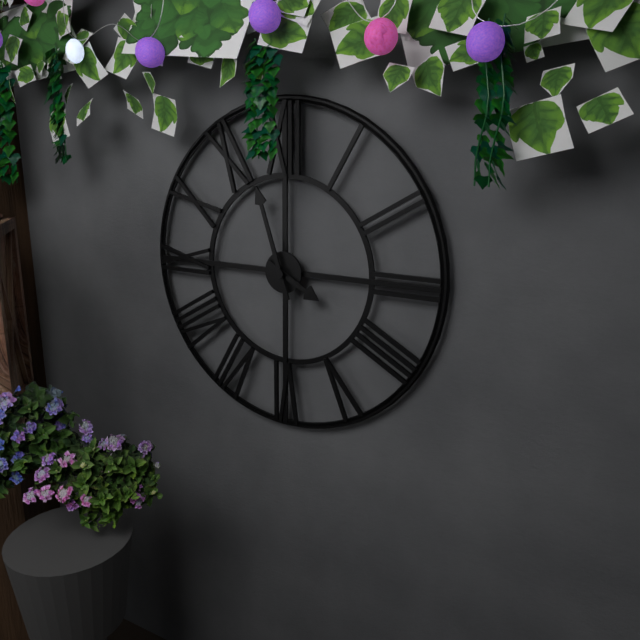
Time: {"hour": 3, "minute": 57}
